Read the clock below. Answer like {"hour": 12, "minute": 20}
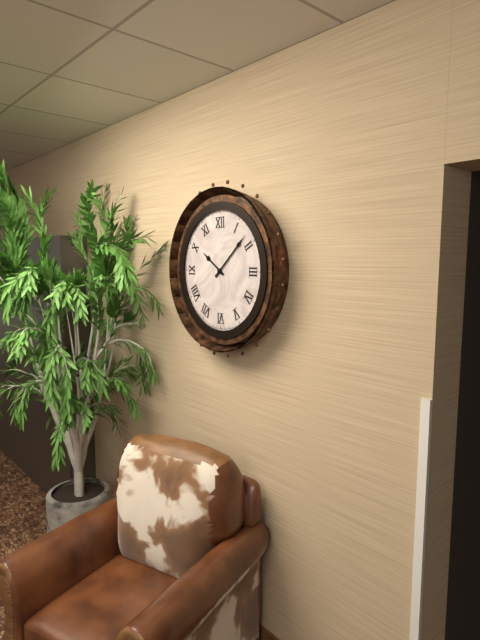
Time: {"hour": 10, "minute": 8}
